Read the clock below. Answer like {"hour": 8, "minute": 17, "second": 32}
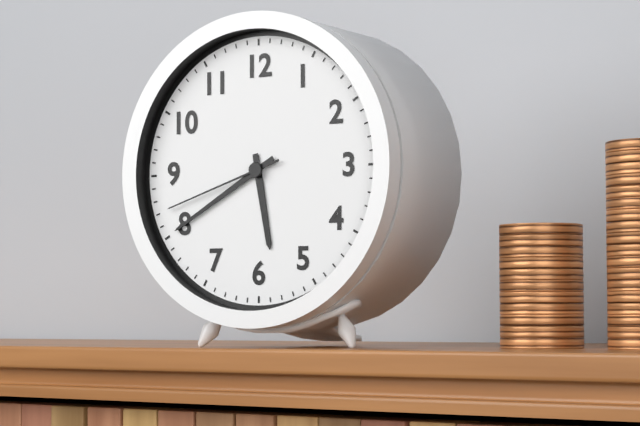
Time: {"hour": 5, "minute": 40, "second": 42}
